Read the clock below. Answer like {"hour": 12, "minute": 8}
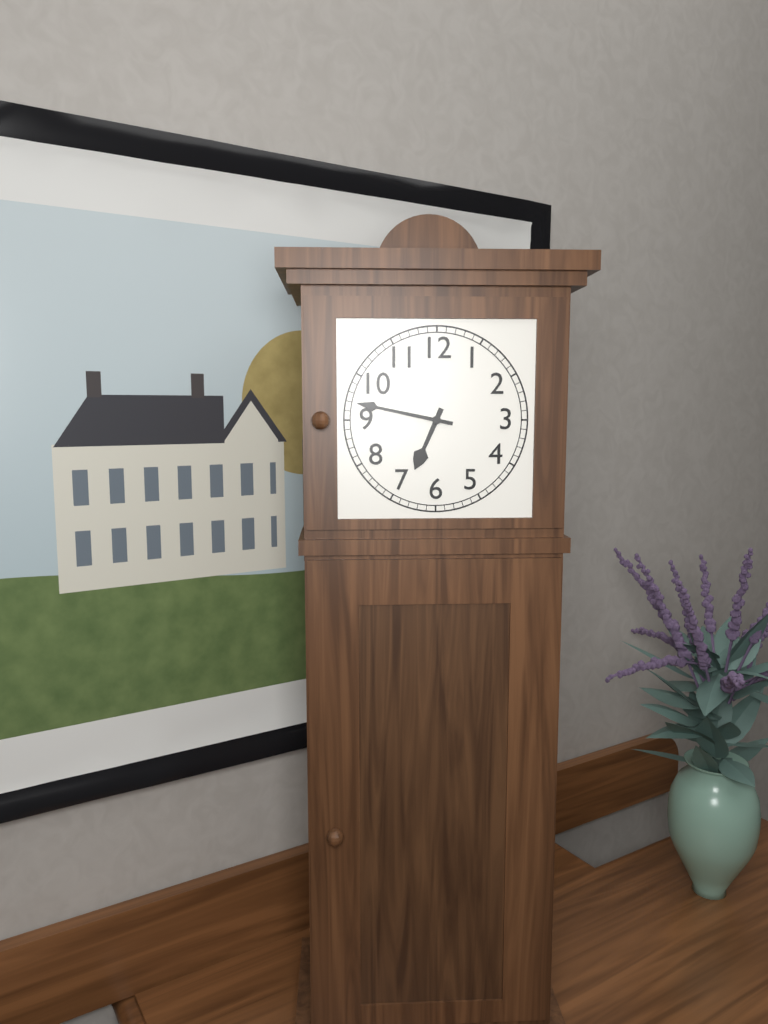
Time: {"hour": 6, "minute": 47}
